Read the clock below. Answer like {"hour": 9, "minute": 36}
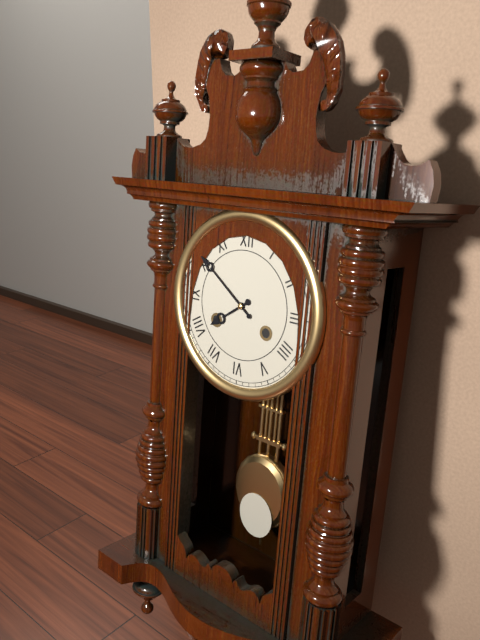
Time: {"hour": 7, "minute": 51}
